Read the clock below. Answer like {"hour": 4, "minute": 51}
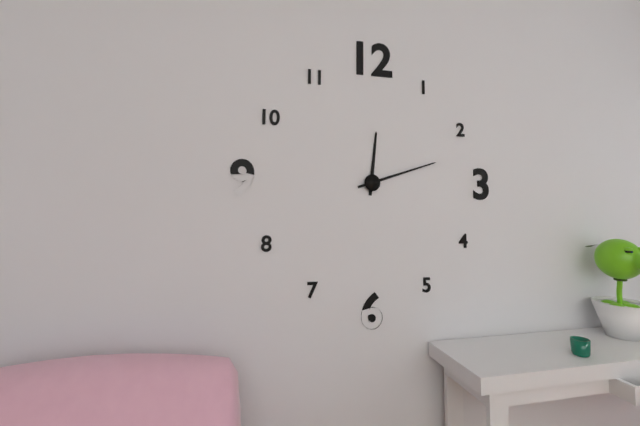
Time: {"hour": 12, "minute": 12}
